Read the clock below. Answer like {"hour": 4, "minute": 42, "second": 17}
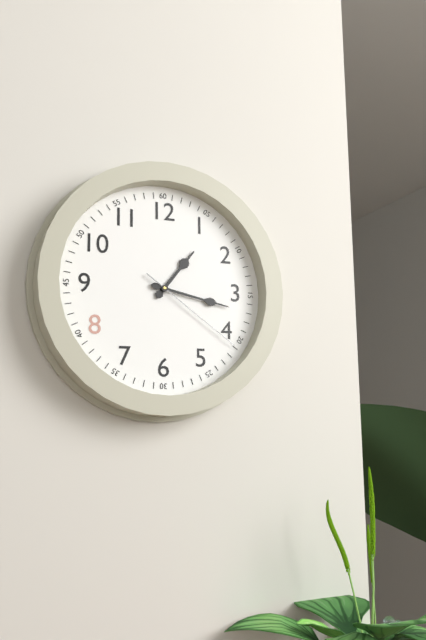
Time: {"hour": 1, "minute": 17, "second": 21}
